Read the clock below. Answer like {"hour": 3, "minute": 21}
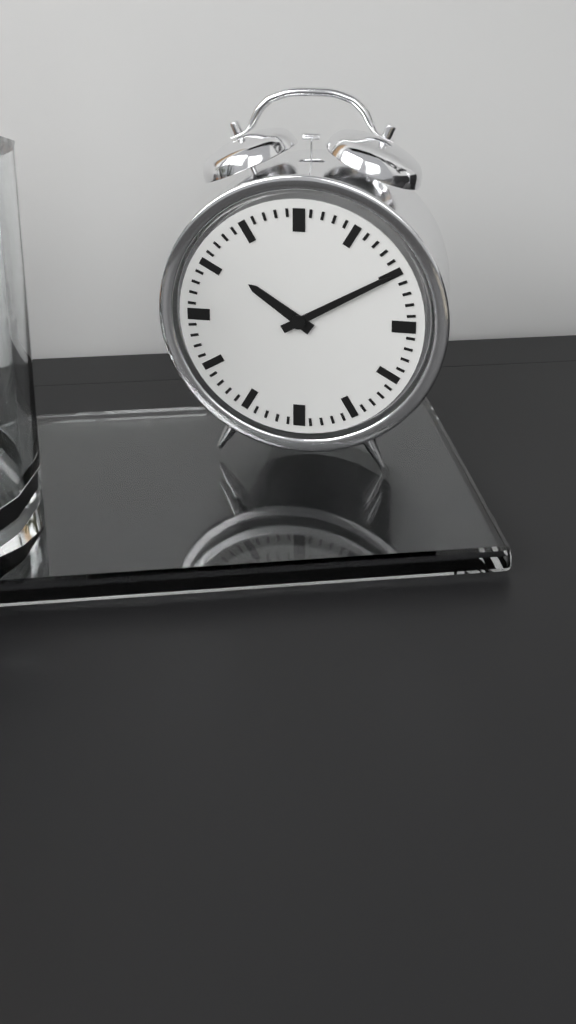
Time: {"hour": 10, "minute": 10}
